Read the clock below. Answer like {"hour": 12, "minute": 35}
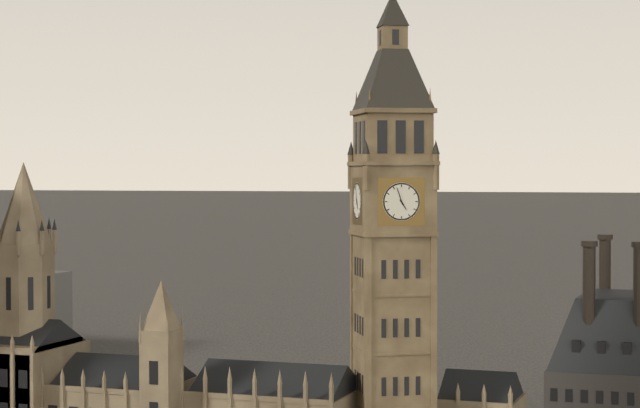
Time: {"hour": 4, "minute": 57}
